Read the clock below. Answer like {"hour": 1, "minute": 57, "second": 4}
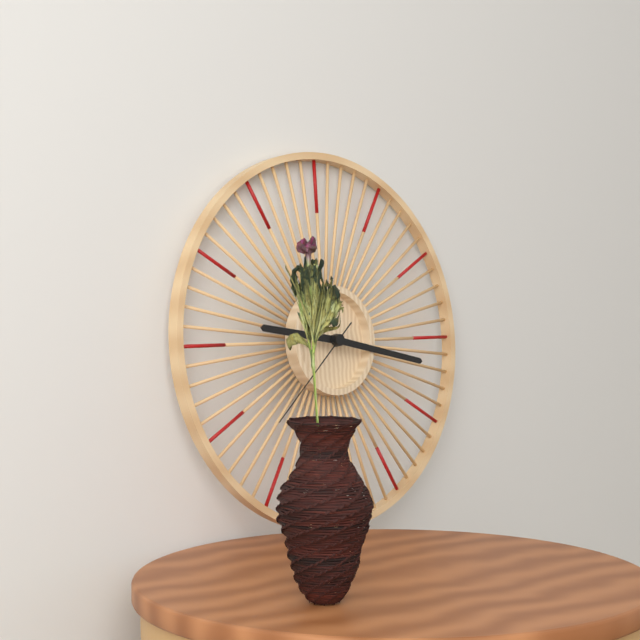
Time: {"hour": 9, "minute": 17, "second": 38}
